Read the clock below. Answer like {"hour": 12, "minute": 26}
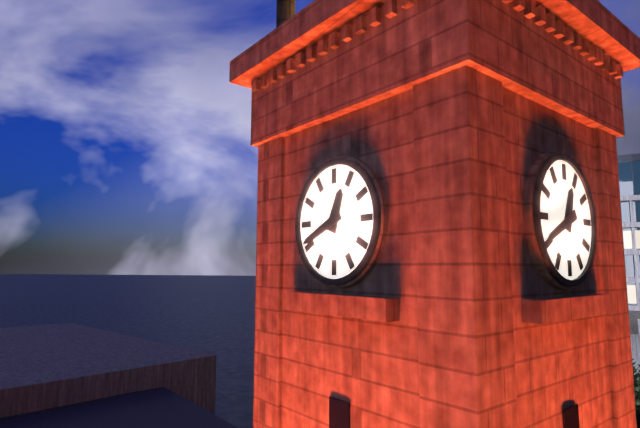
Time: {"hour": 12, "minute": 41}
